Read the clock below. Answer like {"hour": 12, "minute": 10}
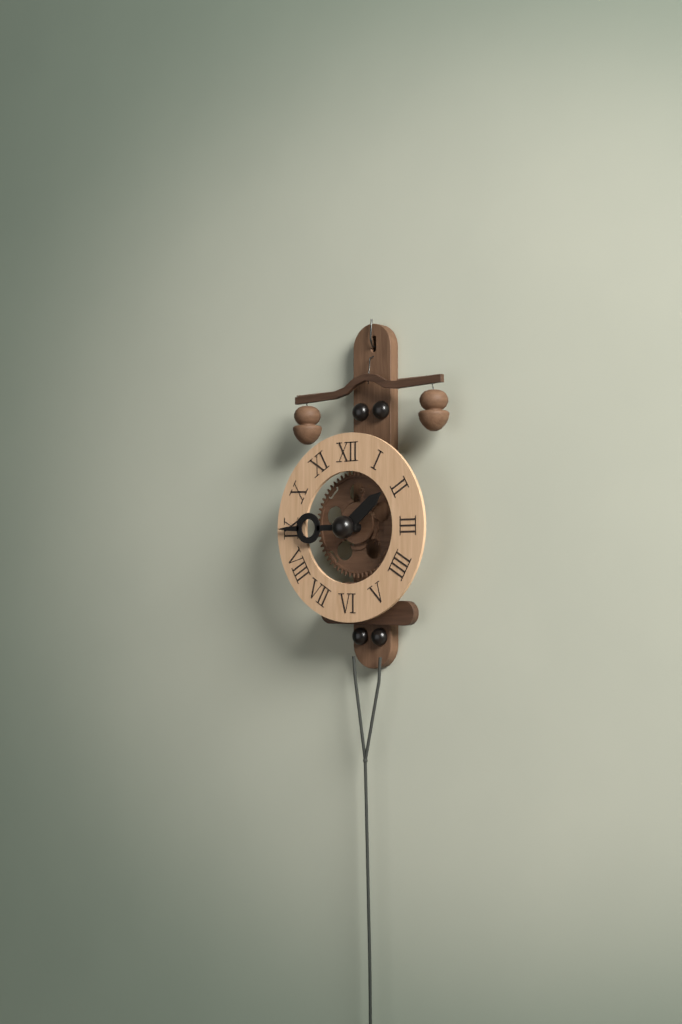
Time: {"hour": 1, "minute": 45}
